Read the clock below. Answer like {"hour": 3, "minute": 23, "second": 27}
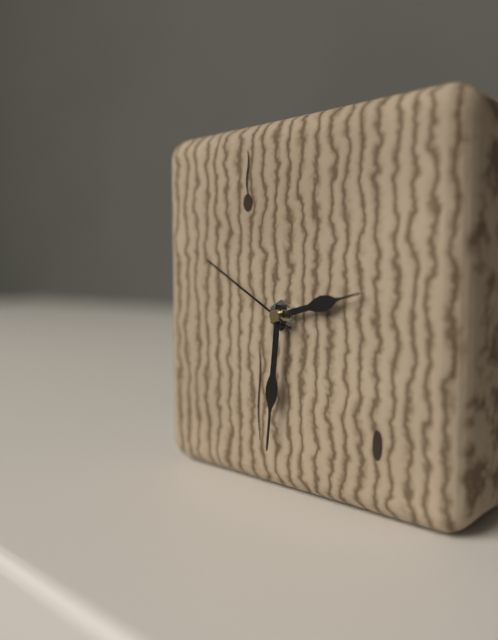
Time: {"hour": 2, "minute": 31, "second": 50}
